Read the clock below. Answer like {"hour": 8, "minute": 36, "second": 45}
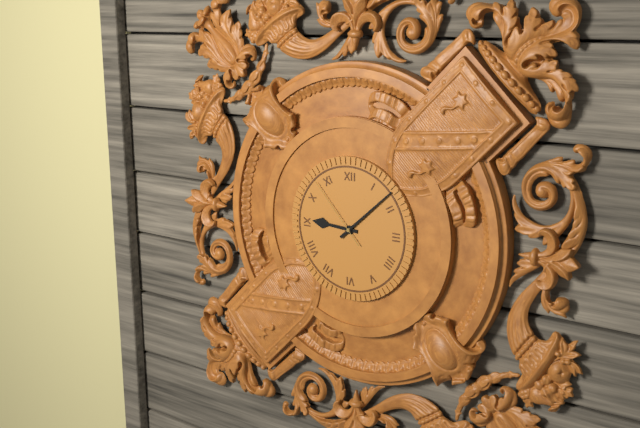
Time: {"hour": 9, "minute": 8, "second": 53}
